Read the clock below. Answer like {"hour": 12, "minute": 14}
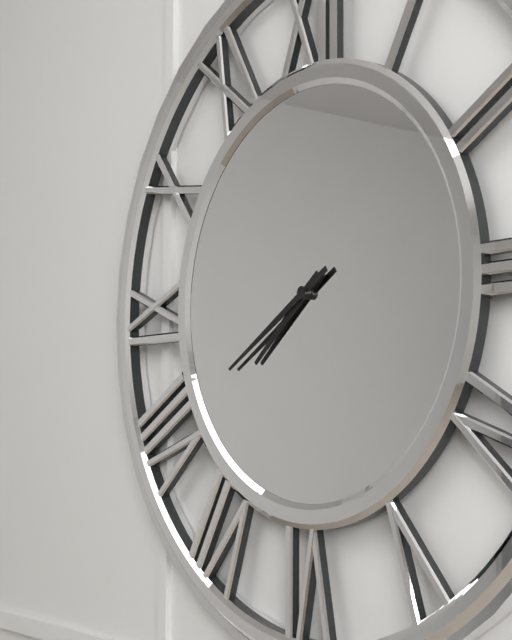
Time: {"hour": 7, "minute": 40}
